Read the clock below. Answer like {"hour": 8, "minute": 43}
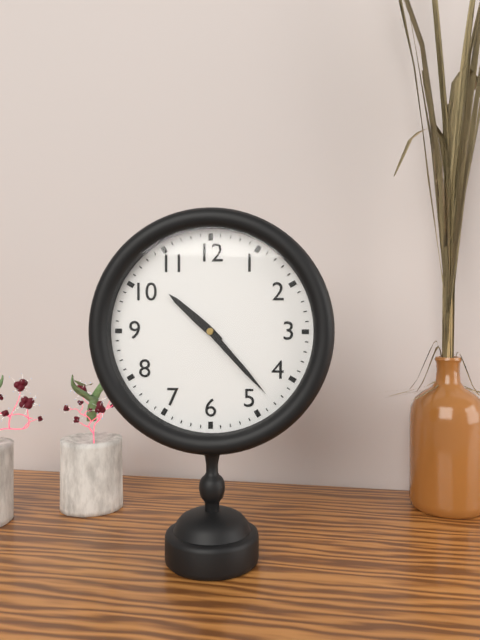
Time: {"hour": 10, "minute": 23}
